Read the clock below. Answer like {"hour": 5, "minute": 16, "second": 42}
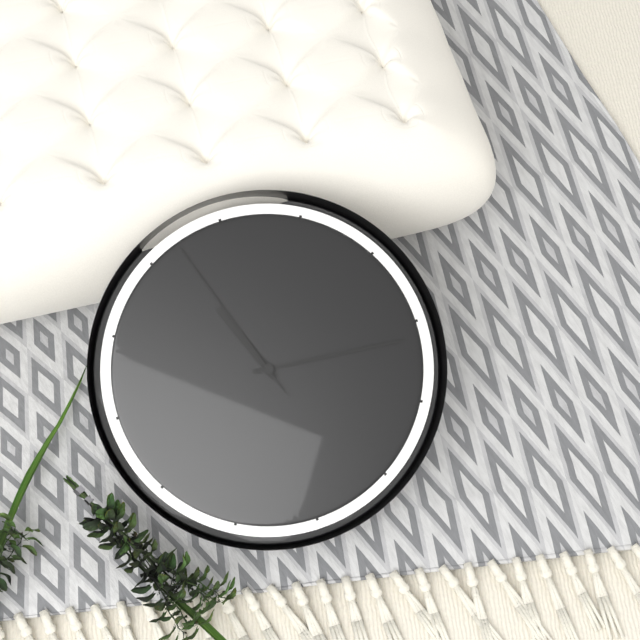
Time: {"hour": 11, "minute": 16, "second": 57}
